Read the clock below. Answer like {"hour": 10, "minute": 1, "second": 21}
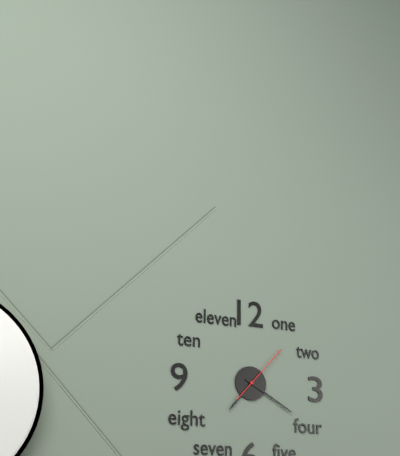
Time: {"hour": 7, "minute": 20, "second": 7}
